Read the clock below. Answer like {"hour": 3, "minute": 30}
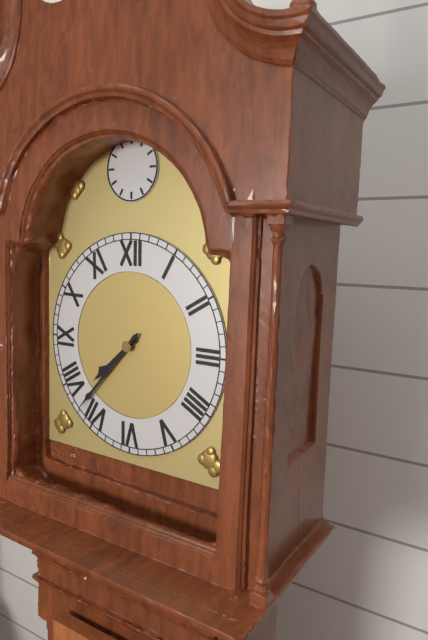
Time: {"hour": 7, "minute": 37}
